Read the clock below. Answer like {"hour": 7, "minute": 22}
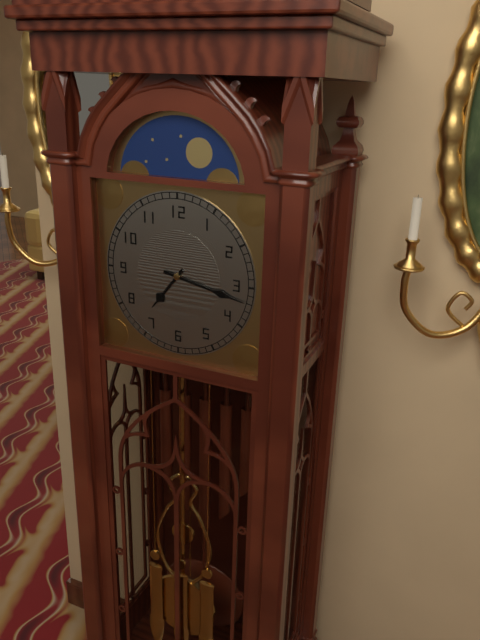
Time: {"hour": 7, "minute": 17}
